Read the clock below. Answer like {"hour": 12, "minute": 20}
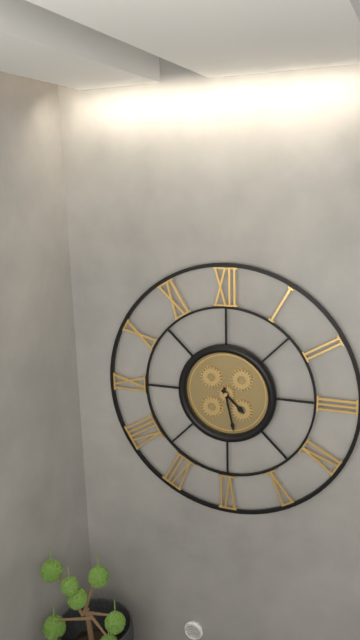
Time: {"hour": 4, "minute": 28}
